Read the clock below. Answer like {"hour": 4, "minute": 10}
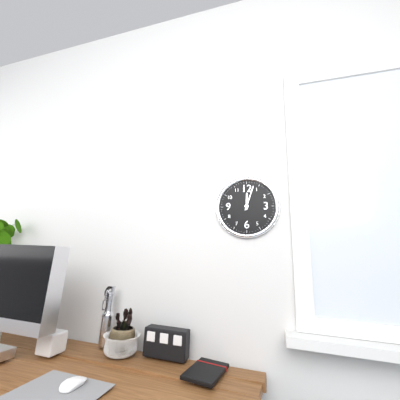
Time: {"hour": 12, "minute": 3}
